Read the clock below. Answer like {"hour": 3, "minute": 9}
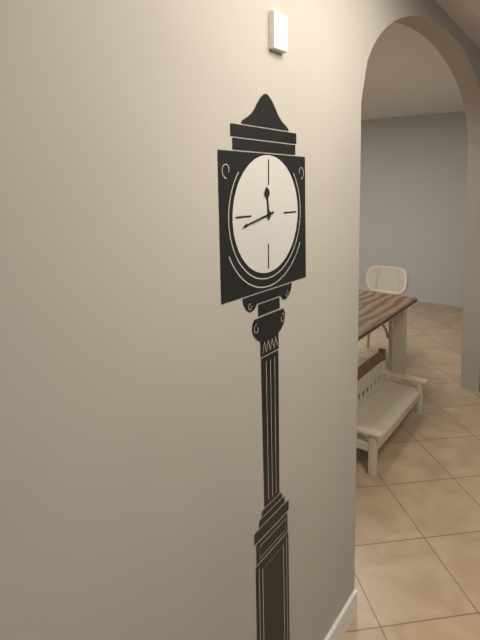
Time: {"hour": 11, "minute": 43}
